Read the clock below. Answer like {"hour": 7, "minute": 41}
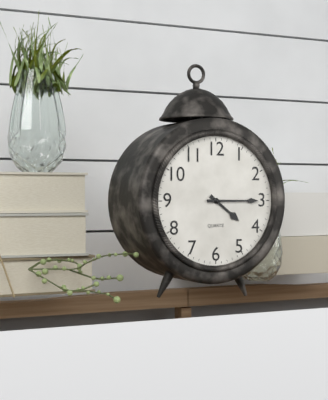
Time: {"hour": 4, "minute": 15}
